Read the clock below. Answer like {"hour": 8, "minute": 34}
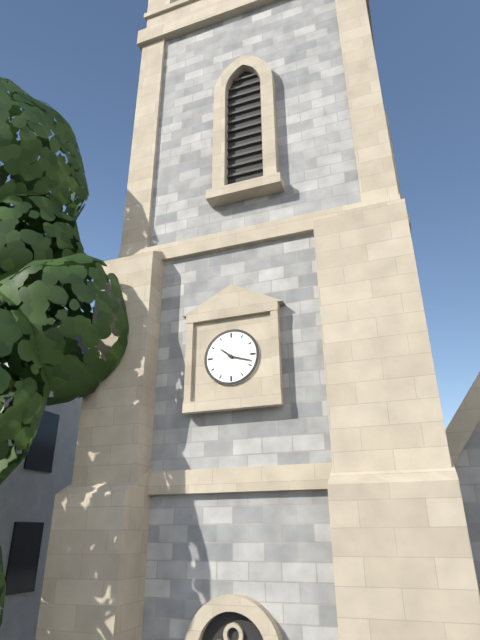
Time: {"hour": 10, "minute": 18}
